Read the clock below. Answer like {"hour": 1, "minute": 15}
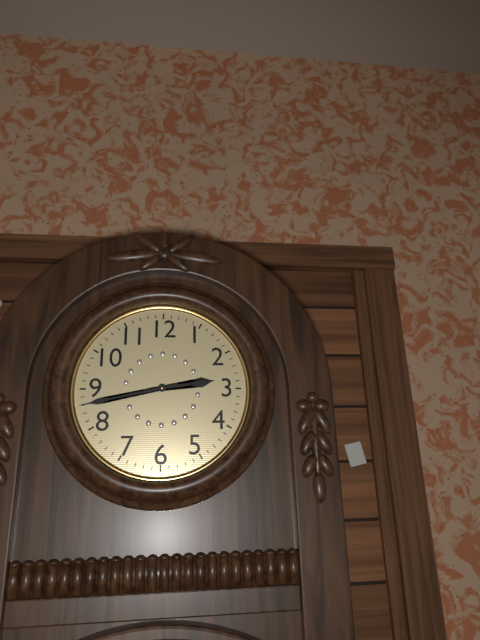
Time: {"hour": 2, "minute": 43}
